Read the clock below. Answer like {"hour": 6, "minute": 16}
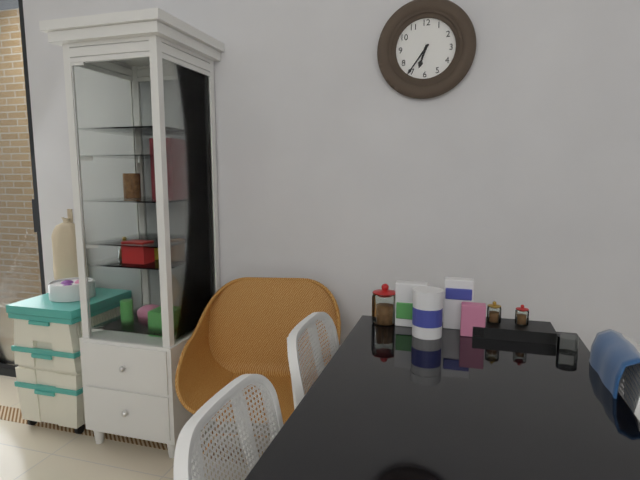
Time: {"hour": 6, "minute": 36}
